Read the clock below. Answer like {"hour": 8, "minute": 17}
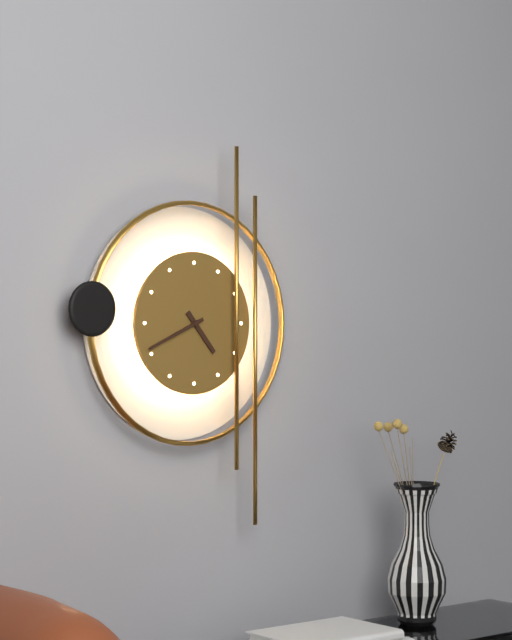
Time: {"hour": 4, "minute": 41}
